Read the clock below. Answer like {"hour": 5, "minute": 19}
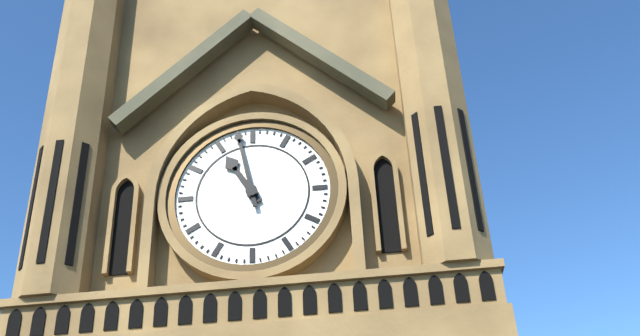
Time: {"hour": 10, "minute": 58}
